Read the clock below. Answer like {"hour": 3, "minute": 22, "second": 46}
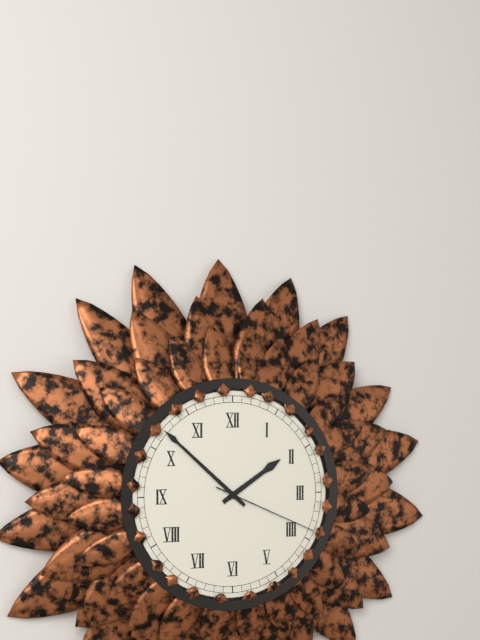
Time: {"hour": 1, "minute": 52, "second": 19}
